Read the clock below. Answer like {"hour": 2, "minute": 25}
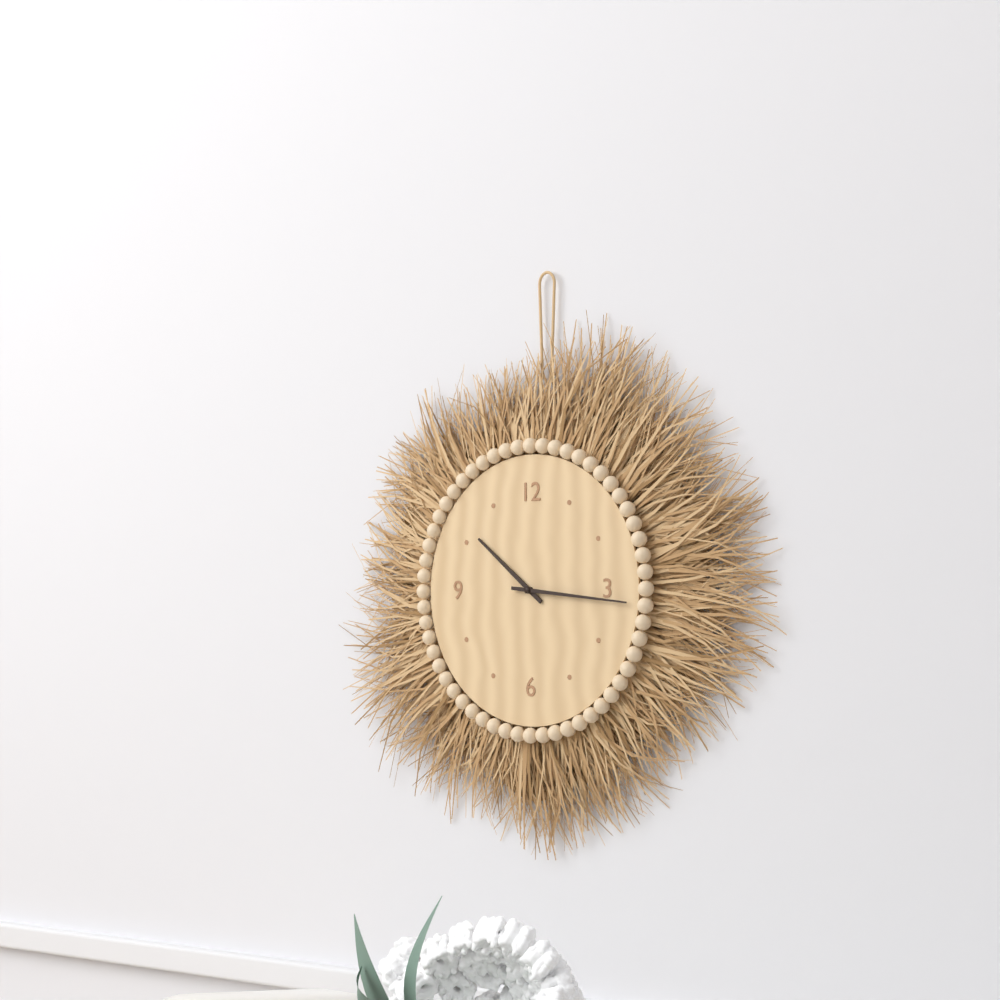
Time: {"hour": 10, "minute": 16}
